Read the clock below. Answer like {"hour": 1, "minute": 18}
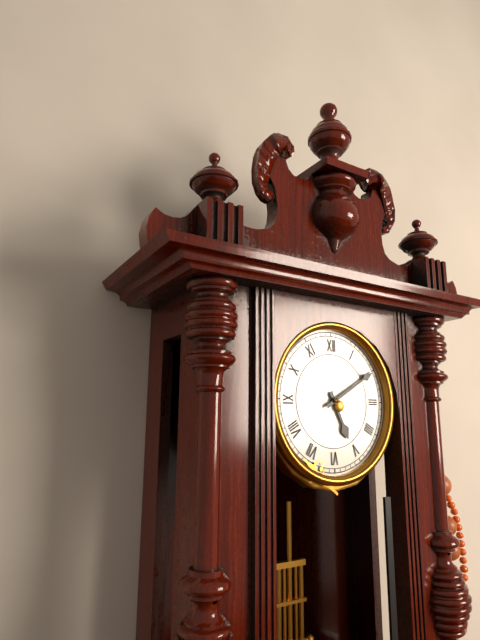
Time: {"hour": 5, "minute": 10}
